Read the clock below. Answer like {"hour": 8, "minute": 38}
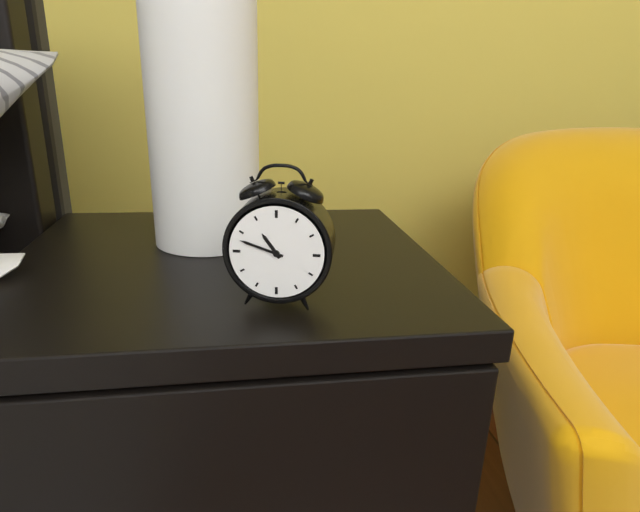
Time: {"hour": 10, "minute": 48}
